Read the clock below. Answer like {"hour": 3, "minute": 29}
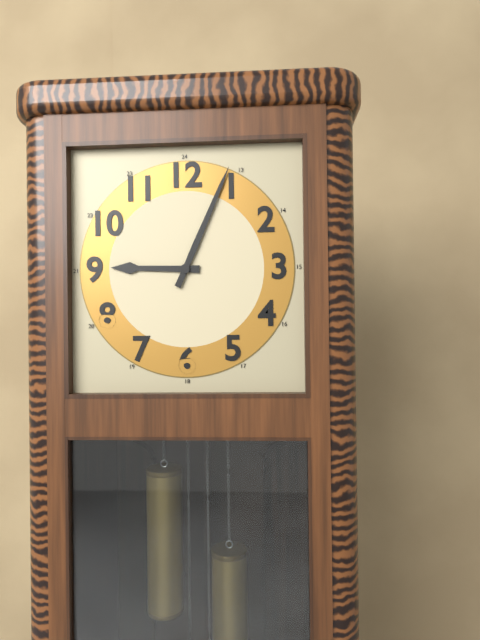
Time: {"hour": 9, "minute": 4}
